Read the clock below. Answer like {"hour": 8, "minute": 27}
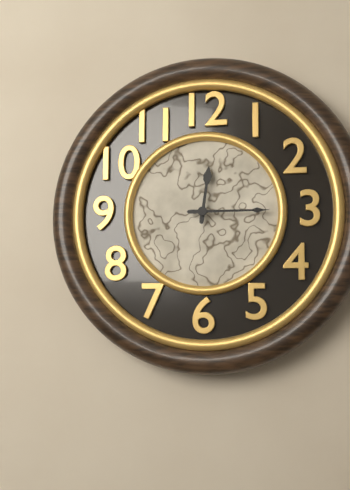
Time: {"hour": 12, "minute": 15}
